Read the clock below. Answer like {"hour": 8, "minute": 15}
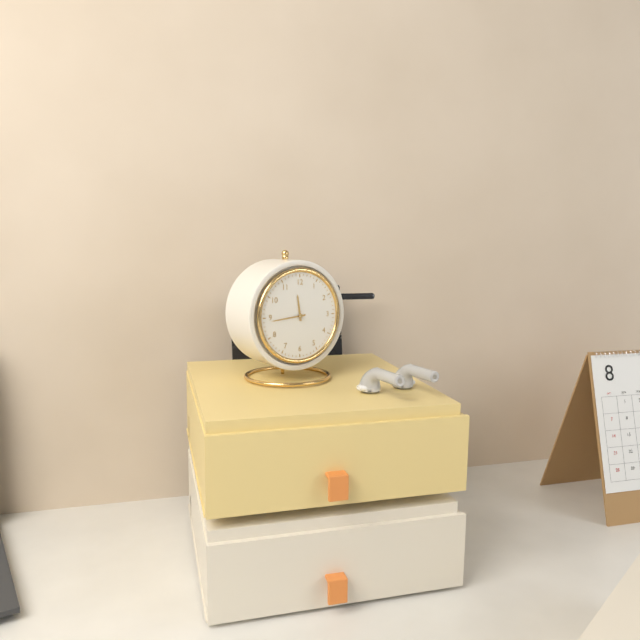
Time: {"hour": 11, "minute": 44}
